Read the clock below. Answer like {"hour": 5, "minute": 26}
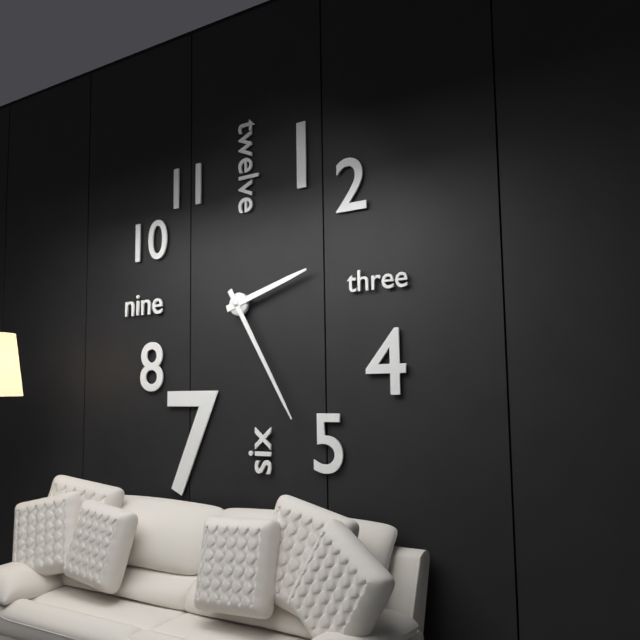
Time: {"hour": 2, "minute": 25}
